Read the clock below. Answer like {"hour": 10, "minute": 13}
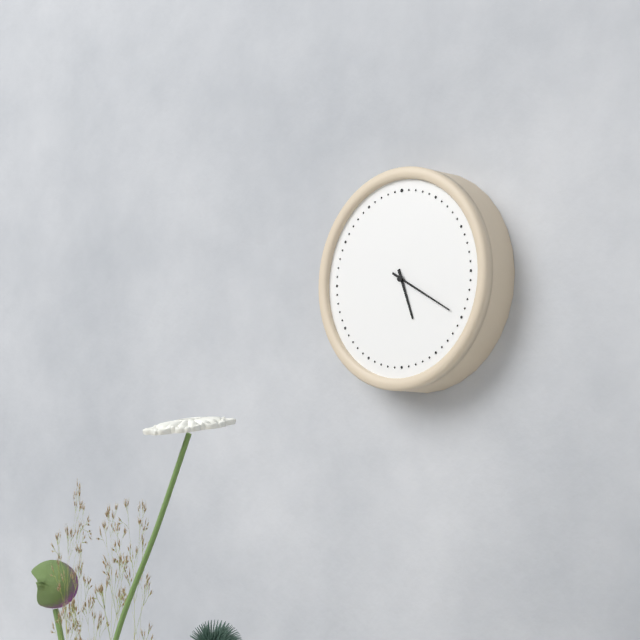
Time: {"hour": 5, "minute": 20}
